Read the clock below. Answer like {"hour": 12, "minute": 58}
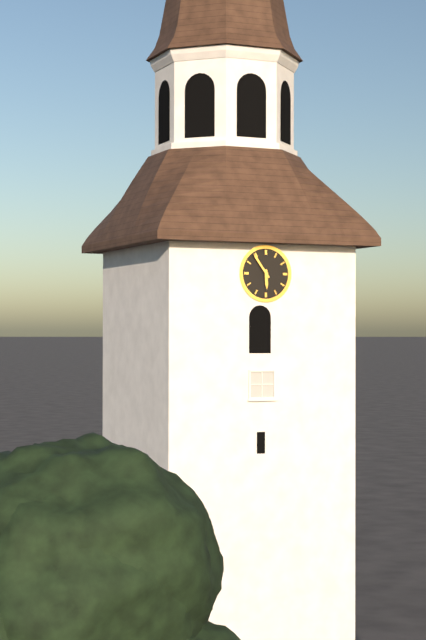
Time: {"hour": 5, "minute": 54}
